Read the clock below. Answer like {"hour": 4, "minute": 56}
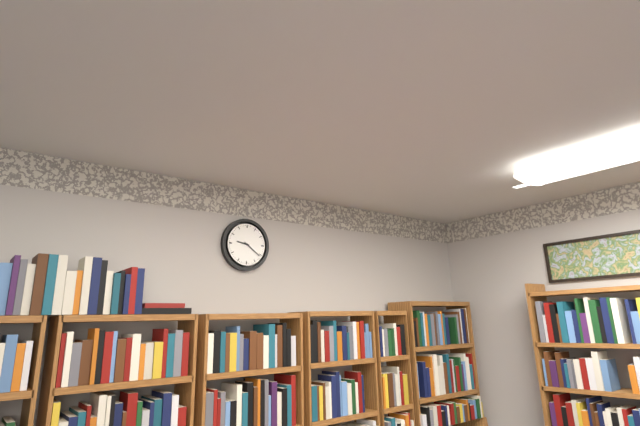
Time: {"hour": 9, "minute": 21}
